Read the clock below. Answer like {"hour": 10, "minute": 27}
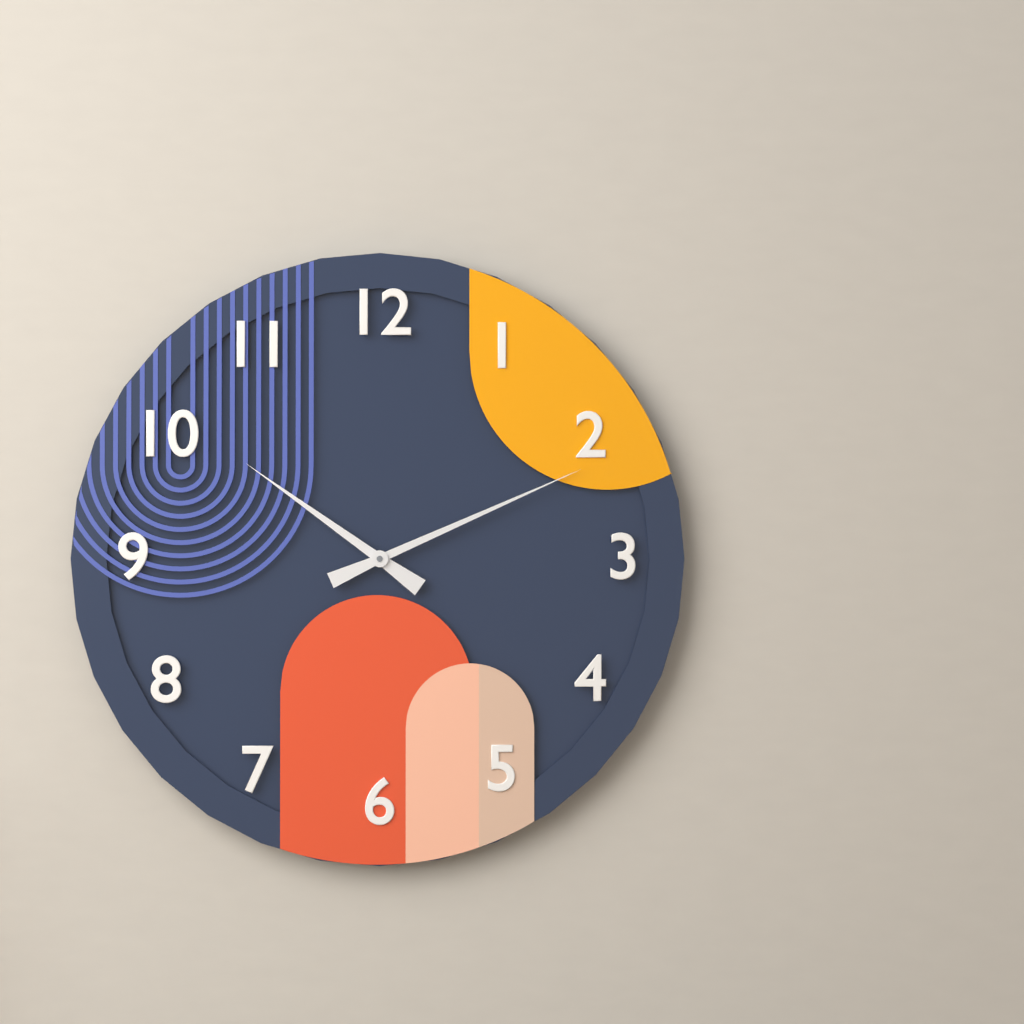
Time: {"hour": 10, "minute": 11}
